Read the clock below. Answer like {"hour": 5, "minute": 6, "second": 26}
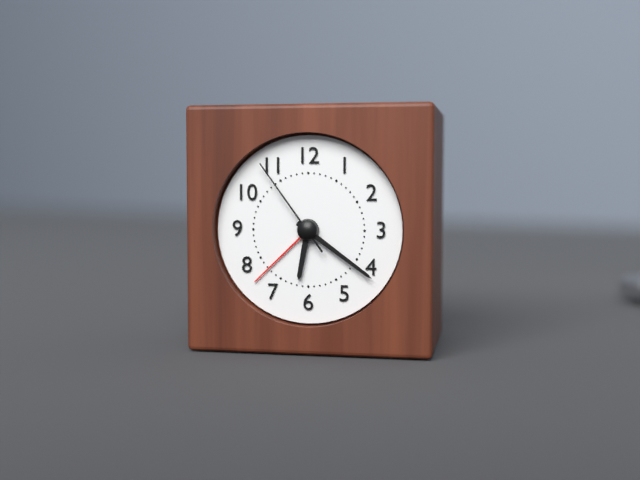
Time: {"hour": 6, "minute": 21, "second": 54}
